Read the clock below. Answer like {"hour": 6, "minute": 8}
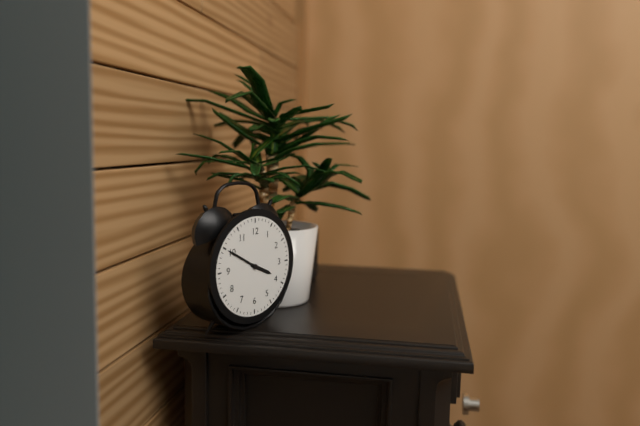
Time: {"hour": 3, "minute": 50}
